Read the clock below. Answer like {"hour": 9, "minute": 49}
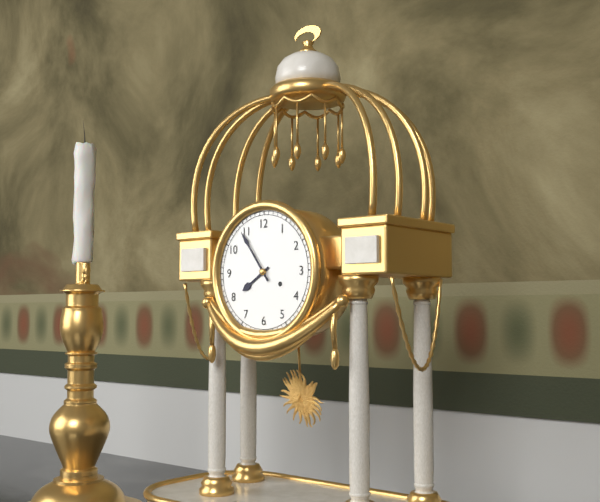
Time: {"hour": 7, "minute": 54}
